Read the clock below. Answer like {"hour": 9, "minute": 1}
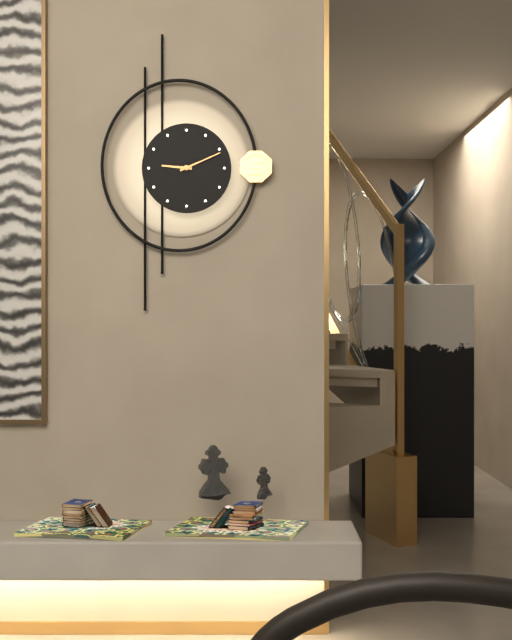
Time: {"hour": 9, "minute": 11}
